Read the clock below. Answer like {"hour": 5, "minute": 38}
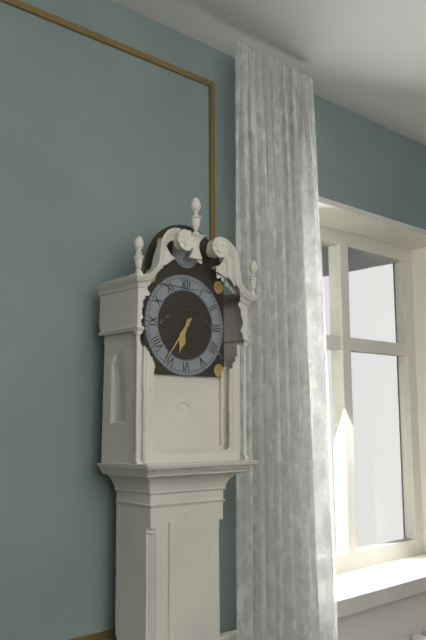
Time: {"hour": 6, "minute": 36}
